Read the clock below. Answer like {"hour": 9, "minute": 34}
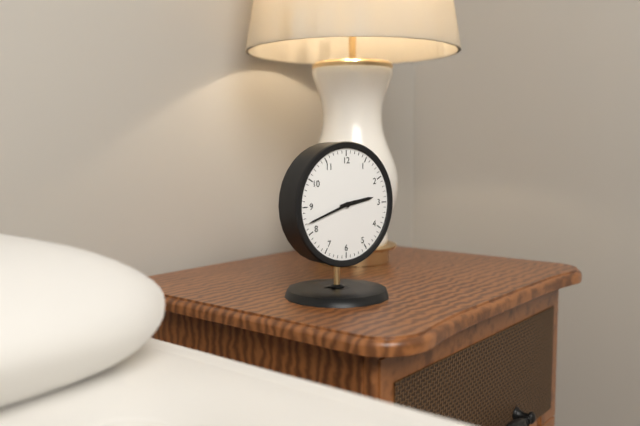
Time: {"hour": 2, "minute": 42}
